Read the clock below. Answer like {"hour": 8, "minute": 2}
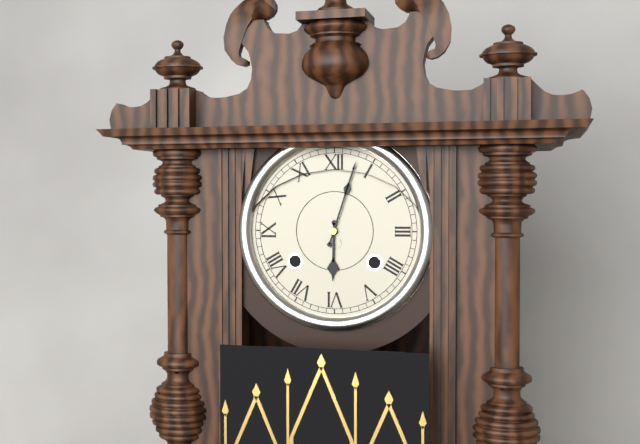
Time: {"hour": 6, "minute": 3}
